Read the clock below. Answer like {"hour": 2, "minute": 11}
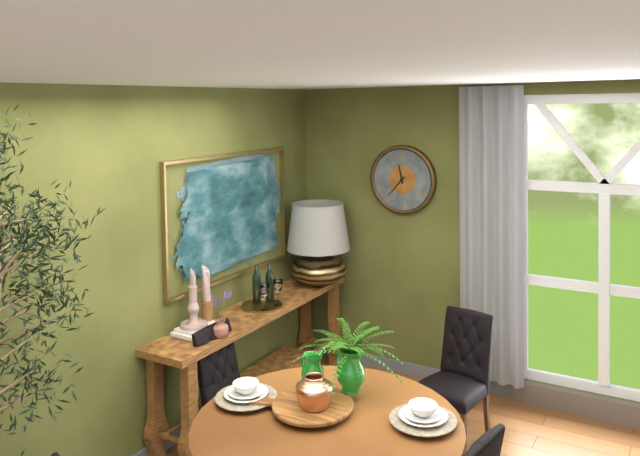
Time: {"hour": 11, "minute": 37}
